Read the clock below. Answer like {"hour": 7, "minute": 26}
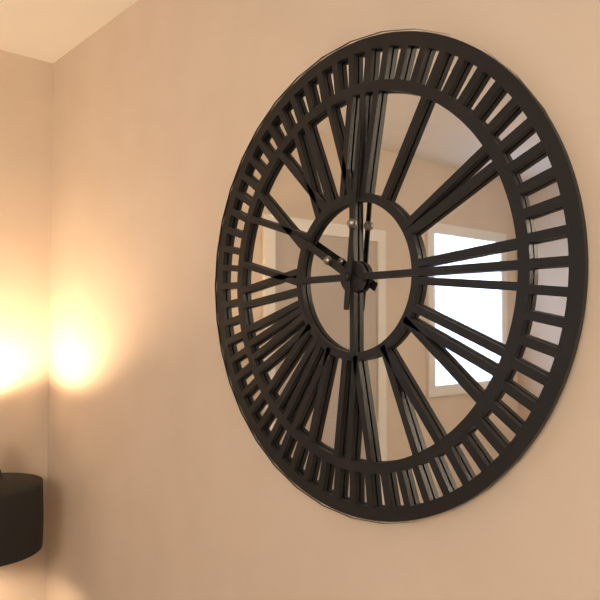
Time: {"hour": 10, "minute": 1}
